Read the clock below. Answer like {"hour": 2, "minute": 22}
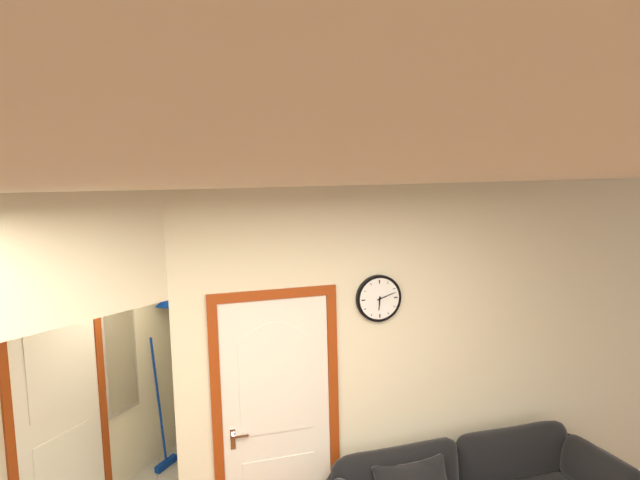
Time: {"hour": 6, "minute": 12}
